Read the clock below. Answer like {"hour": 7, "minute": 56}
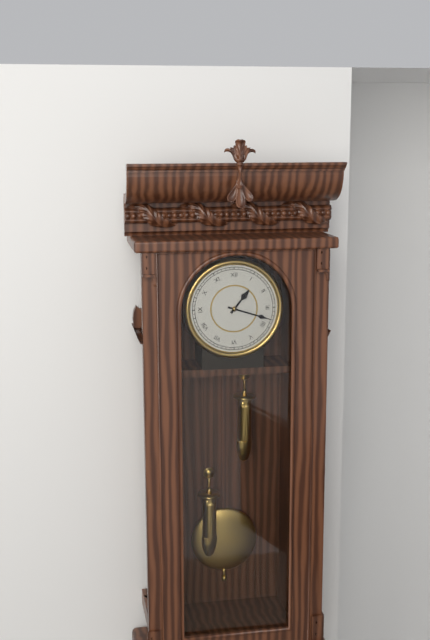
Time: {"hour": 1, "minute": 18}
